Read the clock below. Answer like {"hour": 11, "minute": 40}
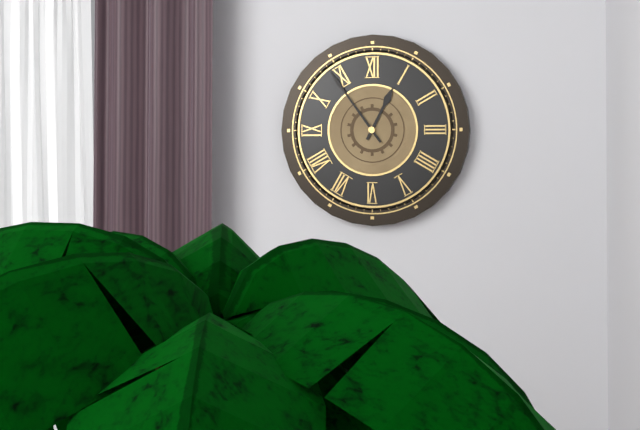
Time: {"hour": 12, "minute": 54}
